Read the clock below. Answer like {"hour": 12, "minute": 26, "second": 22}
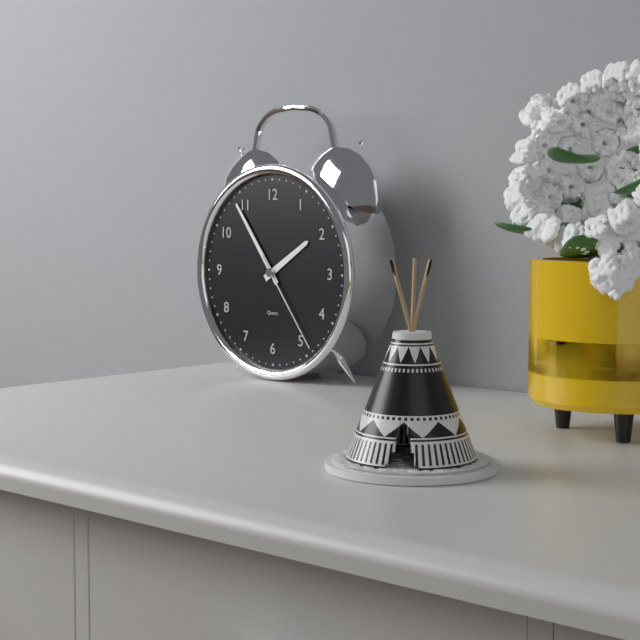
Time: {"hour": 1, "minute": 54, "second": 24}
